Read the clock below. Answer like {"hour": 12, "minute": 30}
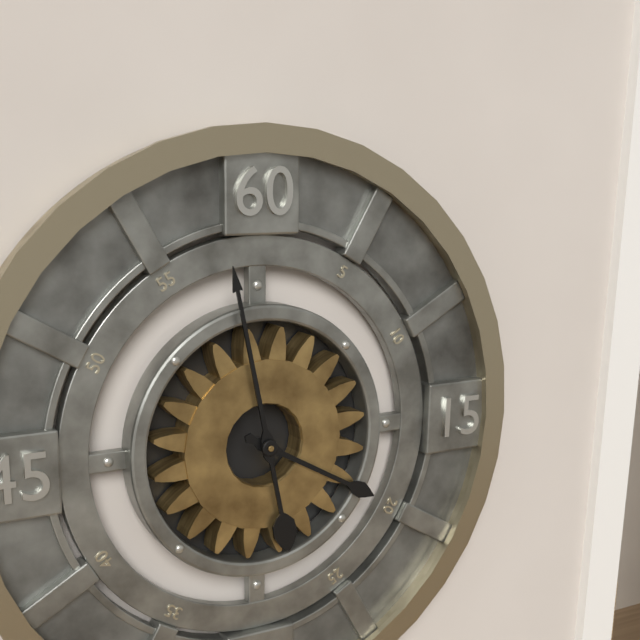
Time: {"hour": 3, "minute": 58}
